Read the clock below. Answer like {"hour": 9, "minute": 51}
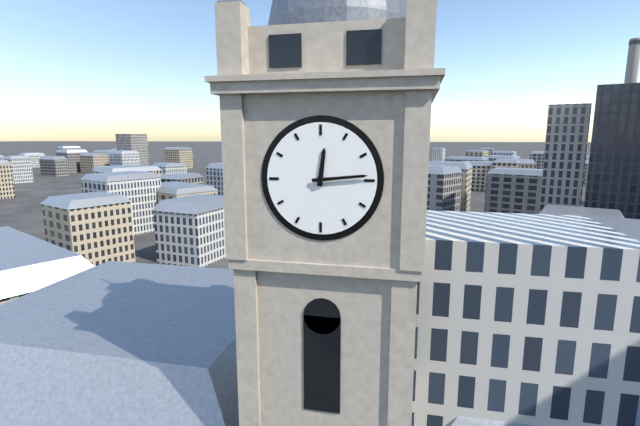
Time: {"hour": 12, "minute": 14}
